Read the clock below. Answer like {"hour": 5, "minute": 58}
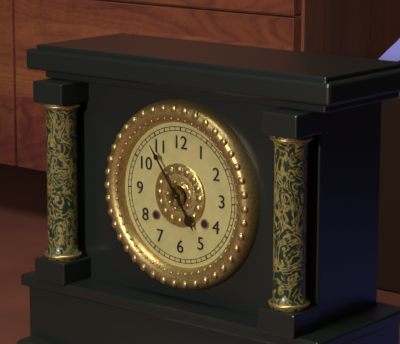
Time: {"hour": 4, "minute": 54}
